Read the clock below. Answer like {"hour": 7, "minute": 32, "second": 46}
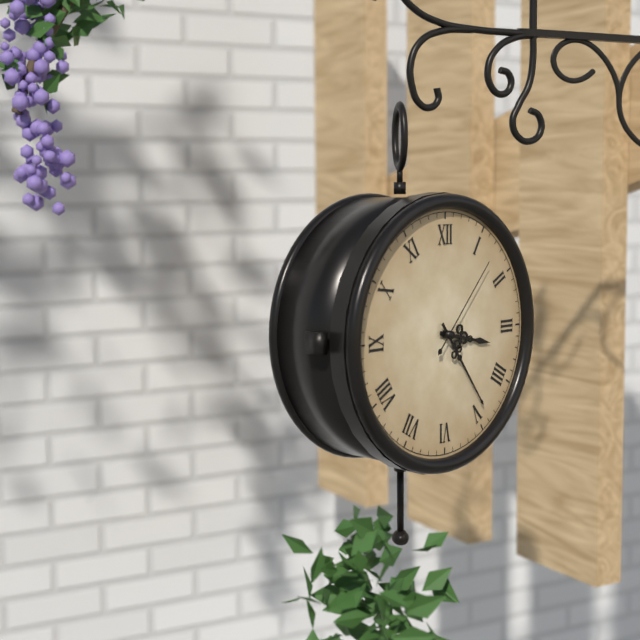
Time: {"hour": 3, "minute": 24, "second": 7}
